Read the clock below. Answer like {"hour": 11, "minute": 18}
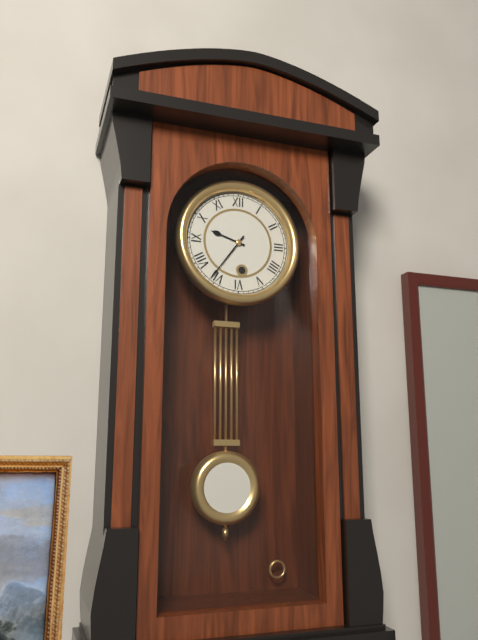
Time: {"hour": 9, "minute": 36}
